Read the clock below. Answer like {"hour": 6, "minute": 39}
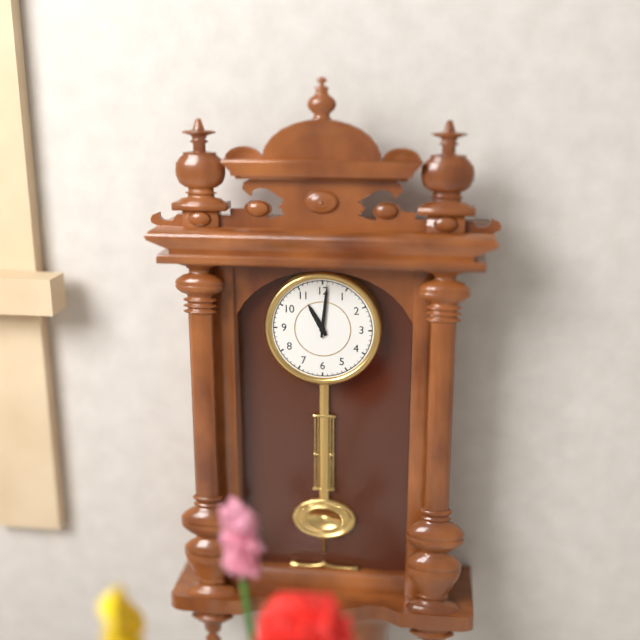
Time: {"hour": 11, "minute": 1}
